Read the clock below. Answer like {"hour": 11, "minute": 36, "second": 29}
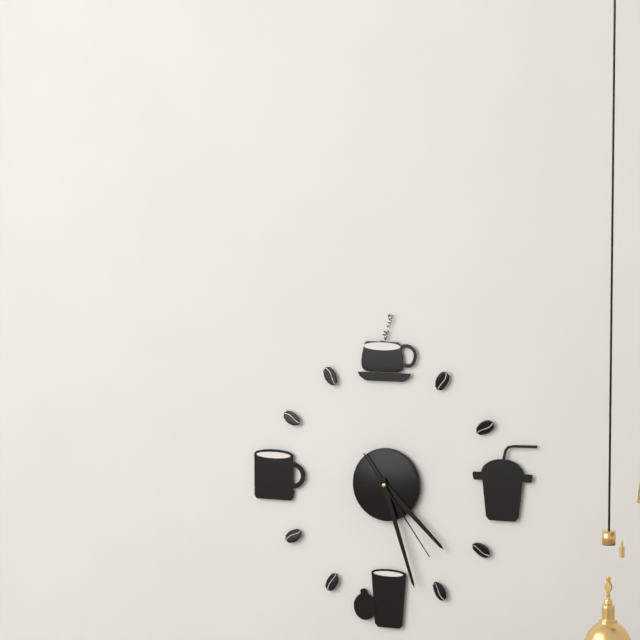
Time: {"hour": 4, "minute": 27, "second": 24}
